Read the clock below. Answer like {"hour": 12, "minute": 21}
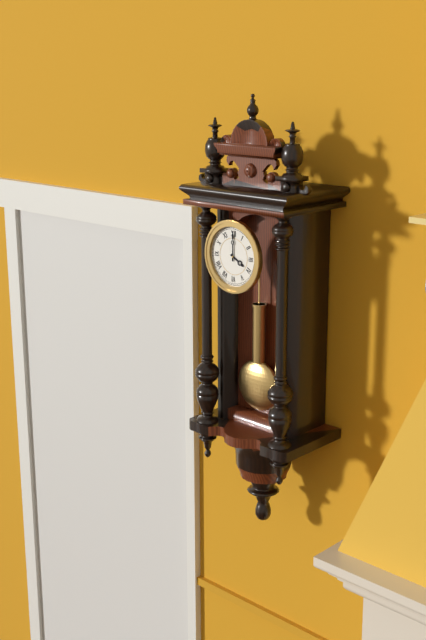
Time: {"hour": 4, "minute": 0}
